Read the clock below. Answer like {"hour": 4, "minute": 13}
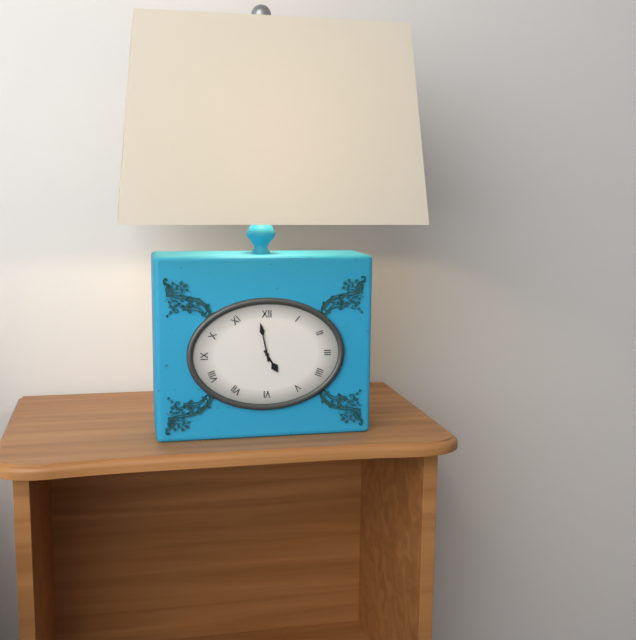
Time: {"hour": 4, "minute": 58}
